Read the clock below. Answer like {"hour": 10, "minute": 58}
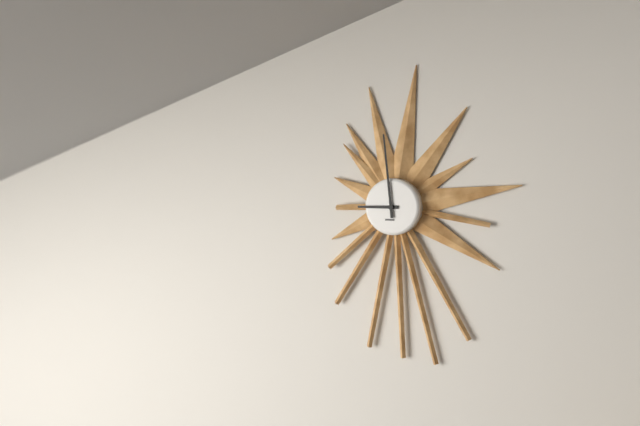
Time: {"hour": 8, "minute": 59}
